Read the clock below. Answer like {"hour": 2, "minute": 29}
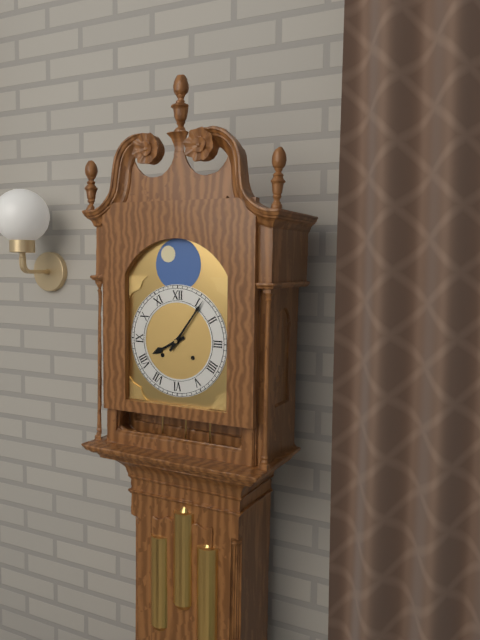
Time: {"hour": 8, "minute": 6}
